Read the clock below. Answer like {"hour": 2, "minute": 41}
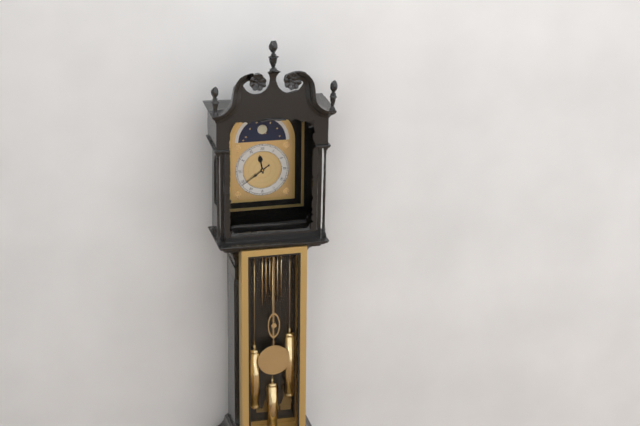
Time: {"hour": 11, "minute": 39}
